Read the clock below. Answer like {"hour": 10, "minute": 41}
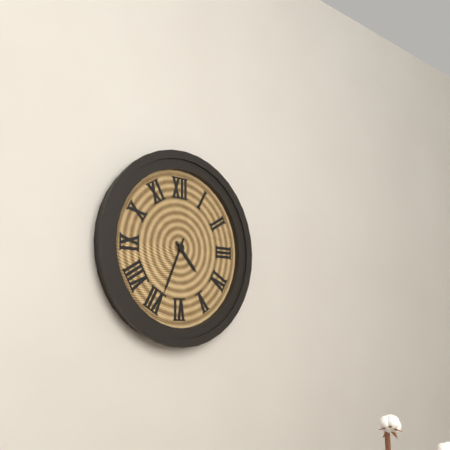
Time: {"hour": 4, "minute": 34}
